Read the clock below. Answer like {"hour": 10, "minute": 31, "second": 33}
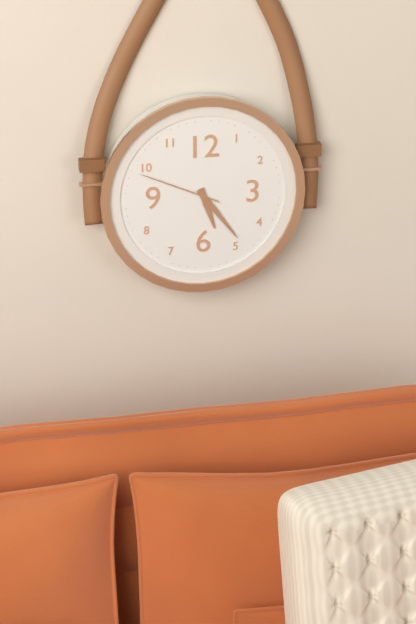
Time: {"hour": 5, "minute": 24, "second": 49}
